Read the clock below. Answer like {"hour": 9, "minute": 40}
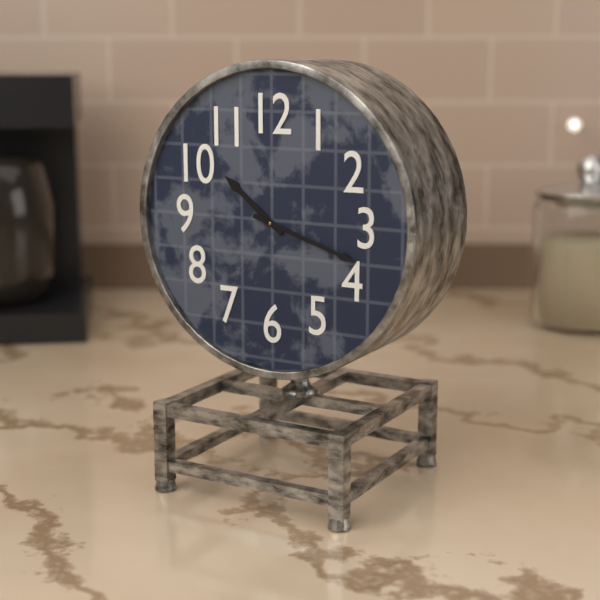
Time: {"hour": 10, "minute": 18}
